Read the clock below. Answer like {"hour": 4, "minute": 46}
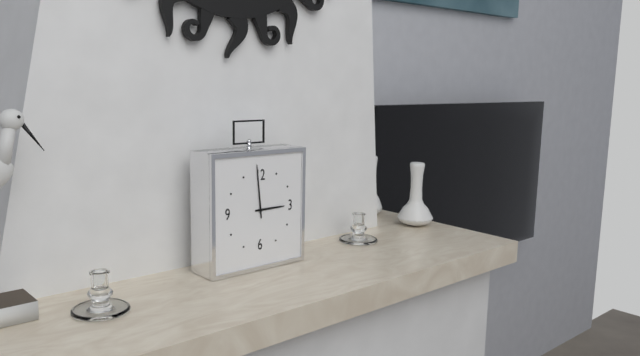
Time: {"hour": 2, "minute": 59}
